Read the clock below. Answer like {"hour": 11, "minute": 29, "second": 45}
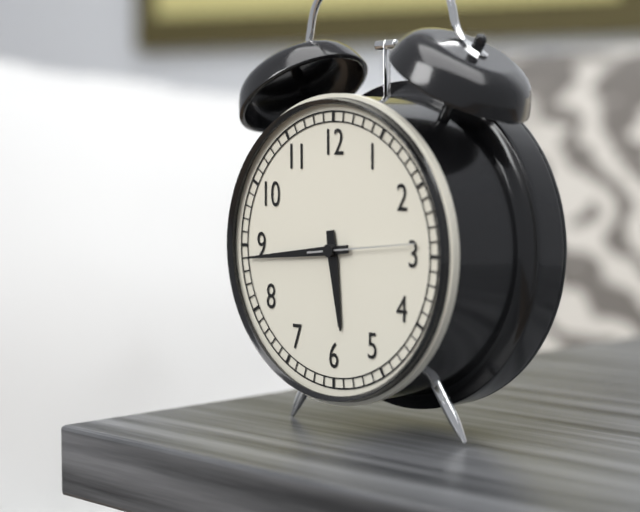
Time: {"hour": 5, "minute": 44, "second": 14}
